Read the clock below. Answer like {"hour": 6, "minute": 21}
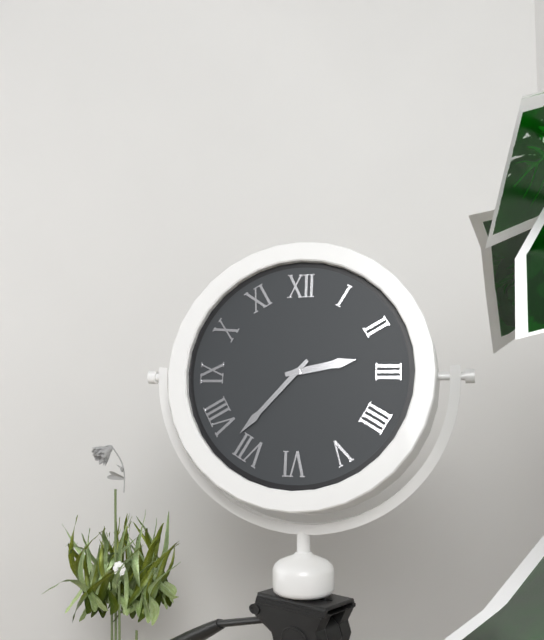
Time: {"hour": 2, "minute": 37}
